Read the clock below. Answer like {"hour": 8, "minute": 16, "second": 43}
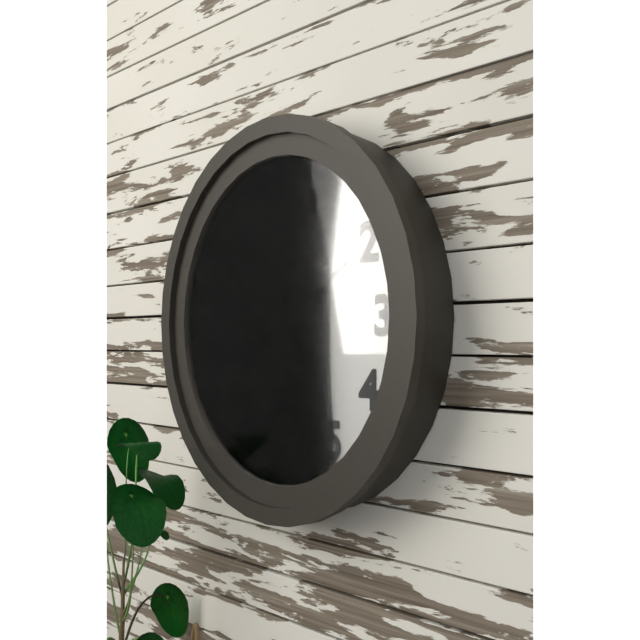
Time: {"hour": 2, "minute": 10, "second": 8}
